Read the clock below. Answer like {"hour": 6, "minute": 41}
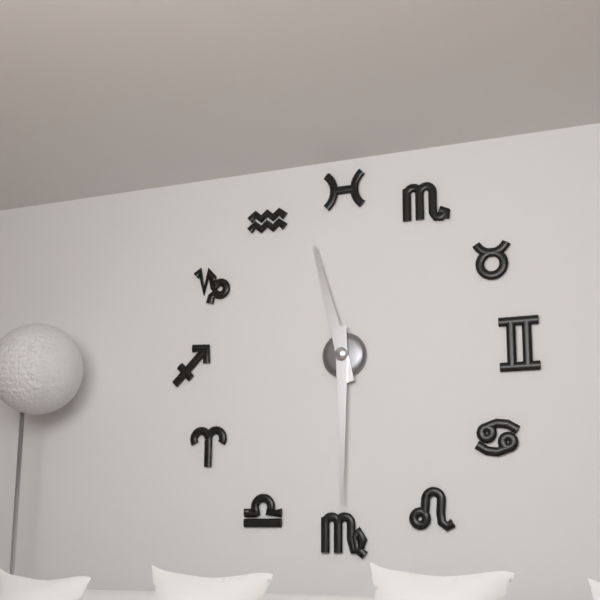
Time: {"hour": 11, "minute": 30}
